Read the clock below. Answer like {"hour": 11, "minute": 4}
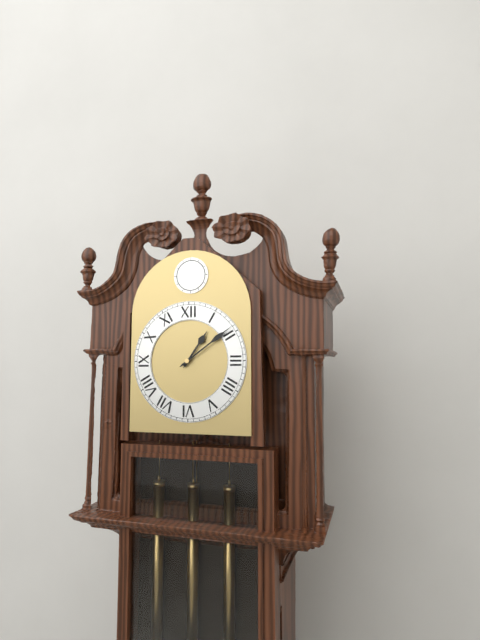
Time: {"hour": 1, "minute": 9}
